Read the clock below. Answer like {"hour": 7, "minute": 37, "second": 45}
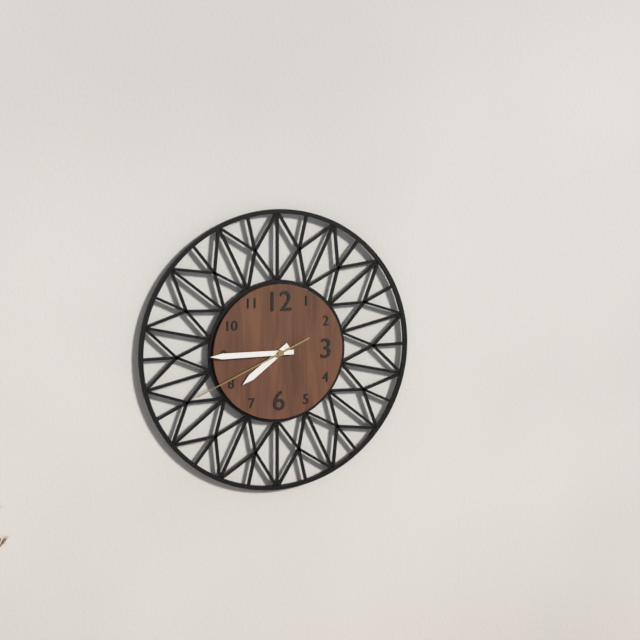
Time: {"hour": 7, "minute": 45, "second": 41}
